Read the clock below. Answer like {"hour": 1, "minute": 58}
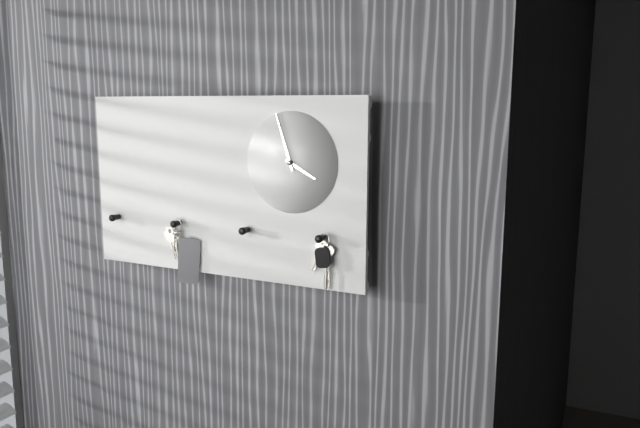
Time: {"hour": 3, "minute": 57}
